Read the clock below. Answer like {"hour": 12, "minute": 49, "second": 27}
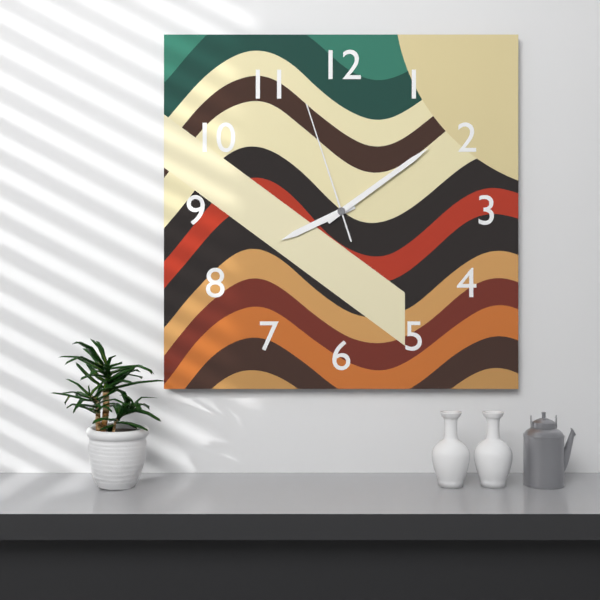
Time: {"hour": 8, "minute": 9, "second": 57}
